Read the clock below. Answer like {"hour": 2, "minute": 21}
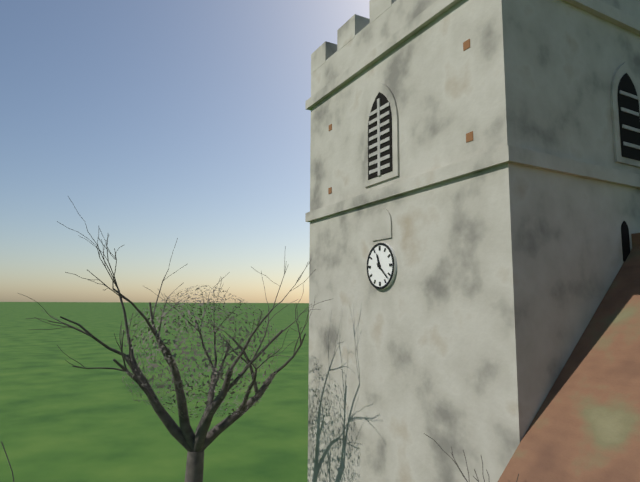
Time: {"hour": 11, "minute": 22}
